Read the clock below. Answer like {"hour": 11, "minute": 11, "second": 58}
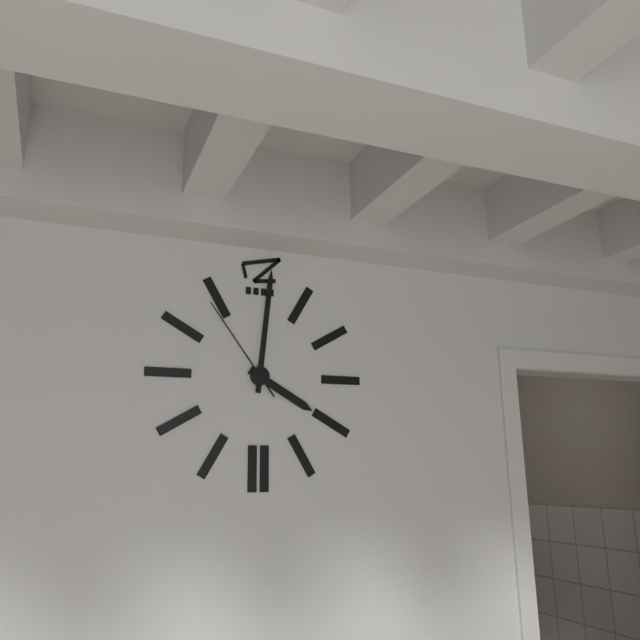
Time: {"hour": 4, "minute": 1, "second": 54}
